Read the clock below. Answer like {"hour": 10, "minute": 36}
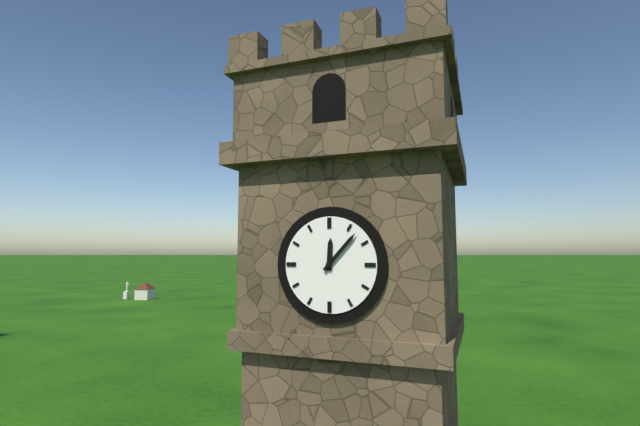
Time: {"hour": 12, "minute": 7}
